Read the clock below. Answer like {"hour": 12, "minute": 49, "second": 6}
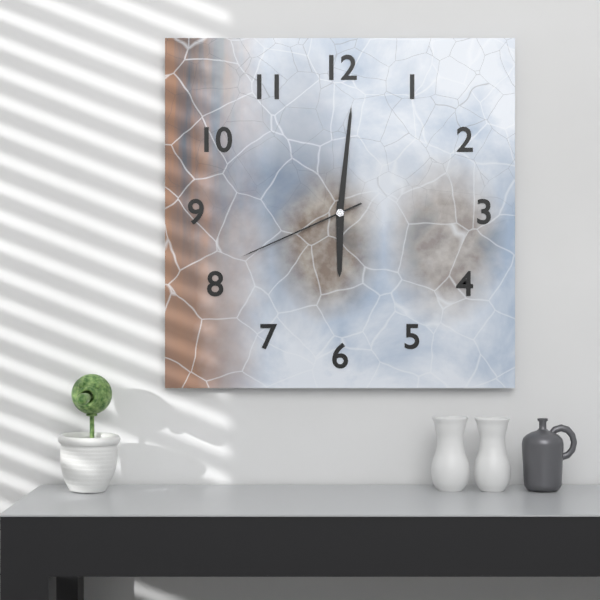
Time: {"hour": 6, "minute": 1, "second": 41}
